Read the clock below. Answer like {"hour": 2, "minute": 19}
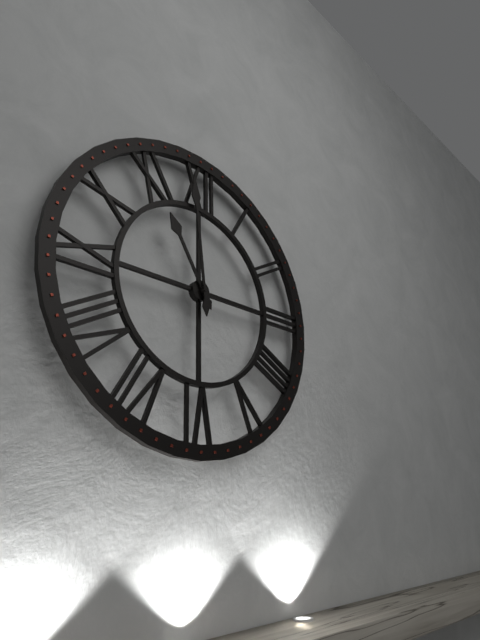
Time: {"hour": 10, "minute": 59}
